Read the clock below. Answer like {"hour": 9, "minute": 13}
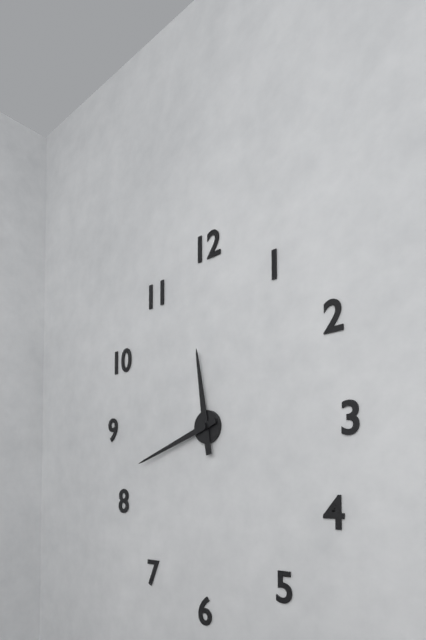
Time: {"hour": 11, "minute": 42}
